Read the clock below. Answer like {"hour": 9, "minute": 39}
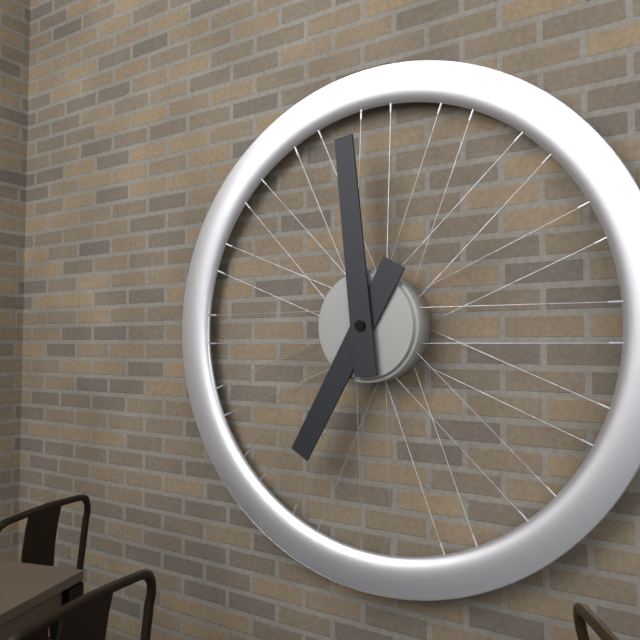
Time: {"hour": 6, "minute": 59}
